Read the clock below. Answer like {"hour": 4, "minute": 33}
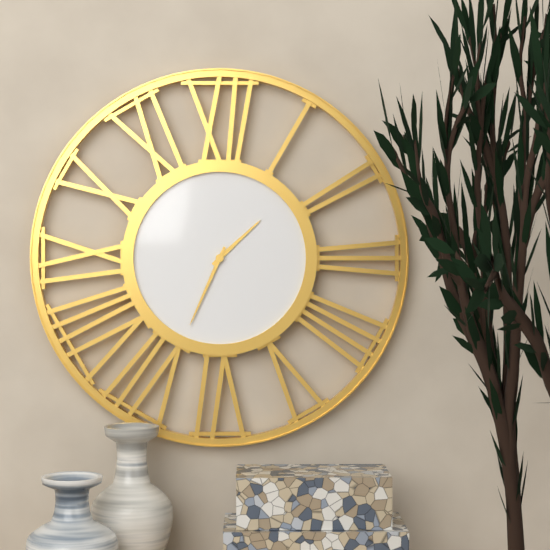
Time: {"hour": 1, "minute": 34}
